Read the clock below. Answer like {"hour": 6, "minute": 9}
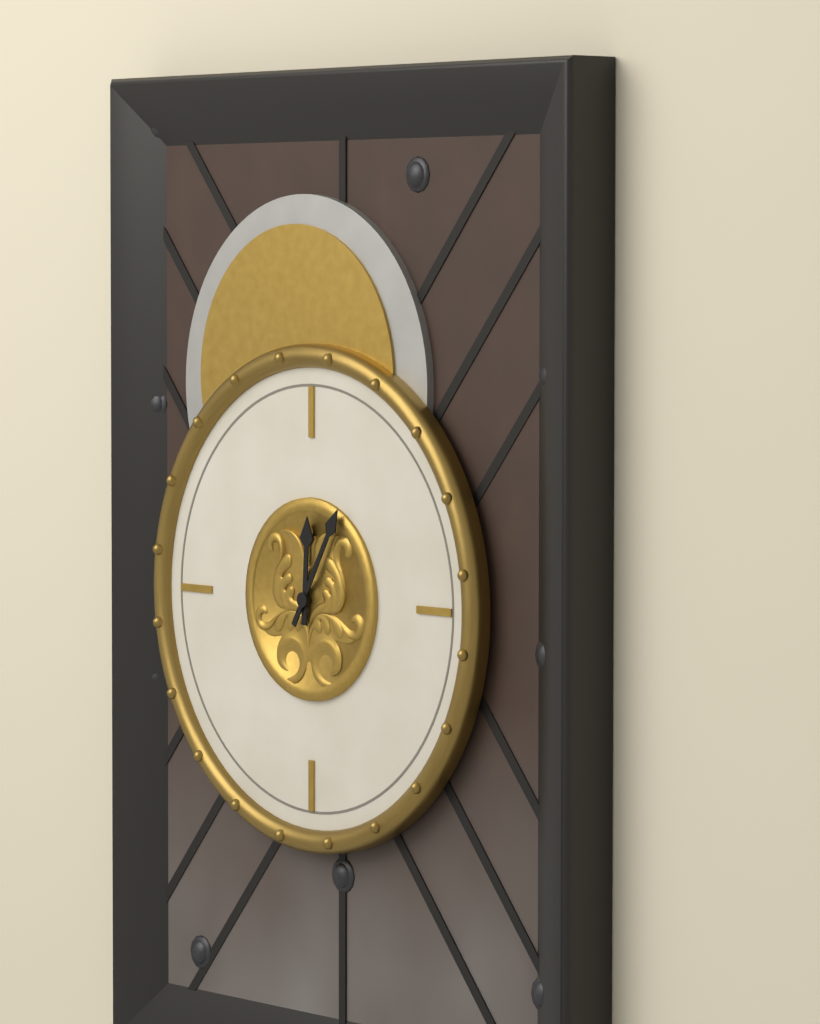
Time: {"hour": 12, "minute": 5}
